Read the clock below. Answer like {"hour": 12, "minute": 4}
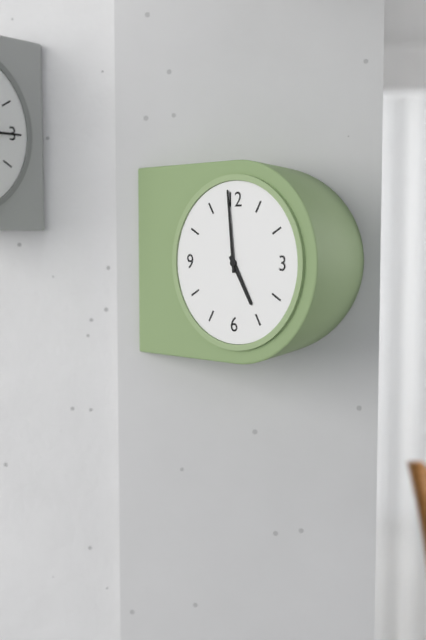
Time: {"hour": 4, "minute": 59}
